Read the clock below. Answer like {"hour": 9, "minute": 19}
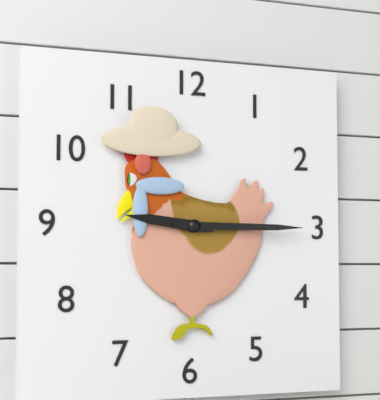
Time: {"hour": 9, "minute": 15}
